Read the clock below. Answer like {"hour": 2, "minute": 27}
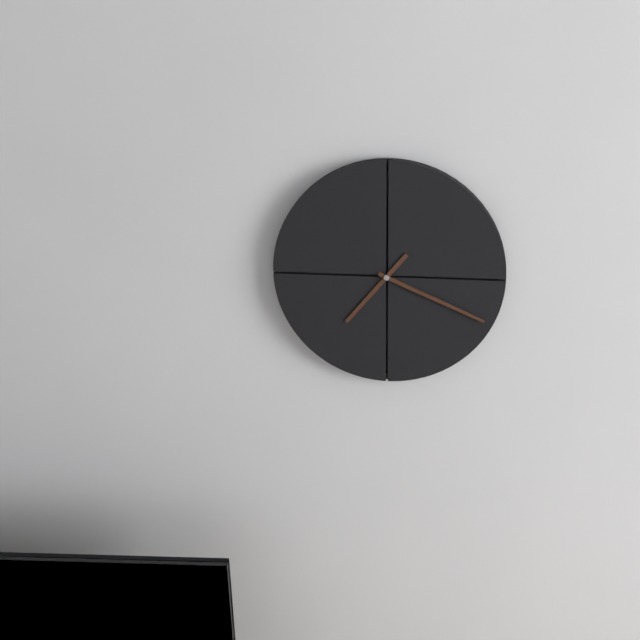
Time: {"hour": 7, "minute": 19}
